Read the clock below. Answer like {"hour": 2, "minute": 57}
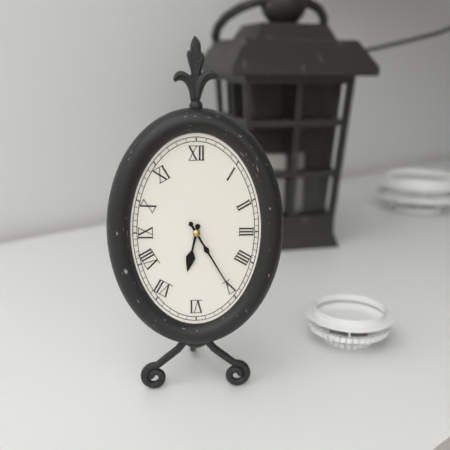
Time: {"hour": 6, "minute": 25}
